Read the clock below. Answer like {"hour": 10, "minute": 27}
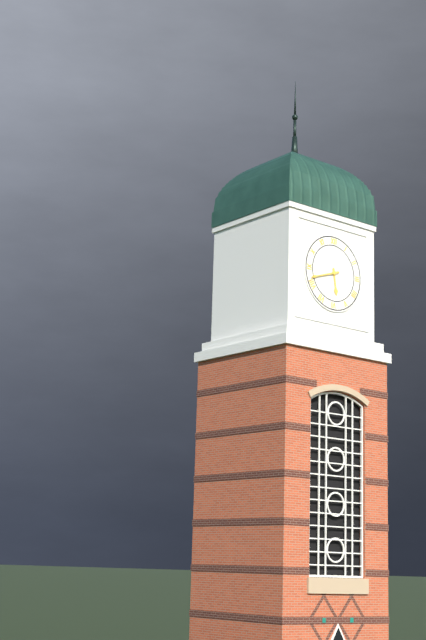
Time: {"hour": 5, "minute": 42}
